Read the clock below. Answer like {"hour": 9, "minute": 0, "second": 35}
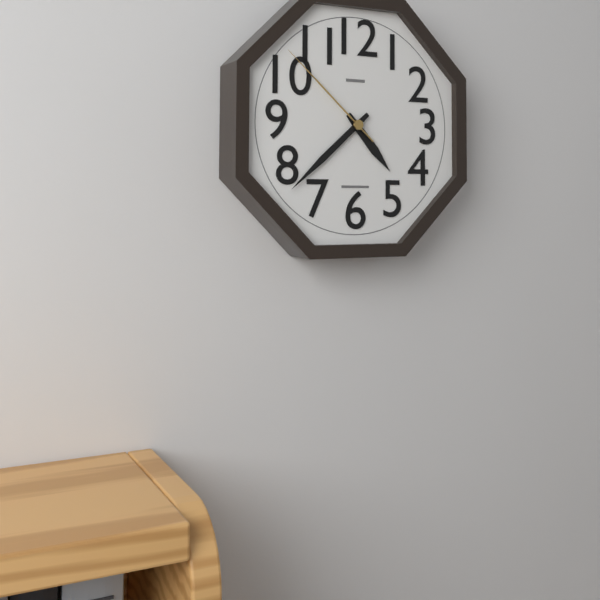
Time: {"hour": 4, "minute": 38, "second": 52}
